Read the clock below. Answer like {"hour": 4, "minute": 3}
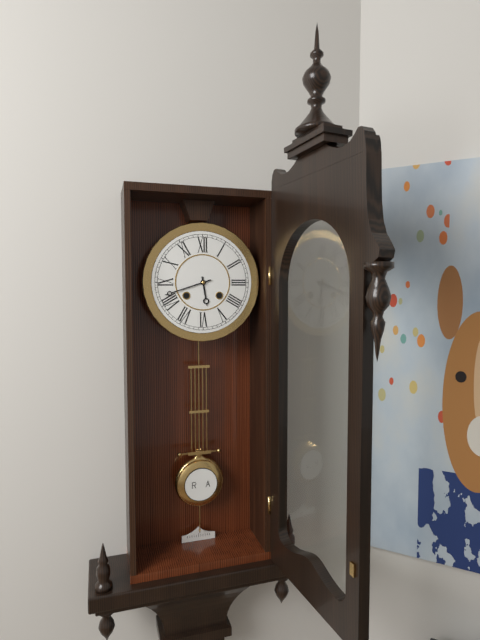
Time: {"hour": 5, "minute": 42}
